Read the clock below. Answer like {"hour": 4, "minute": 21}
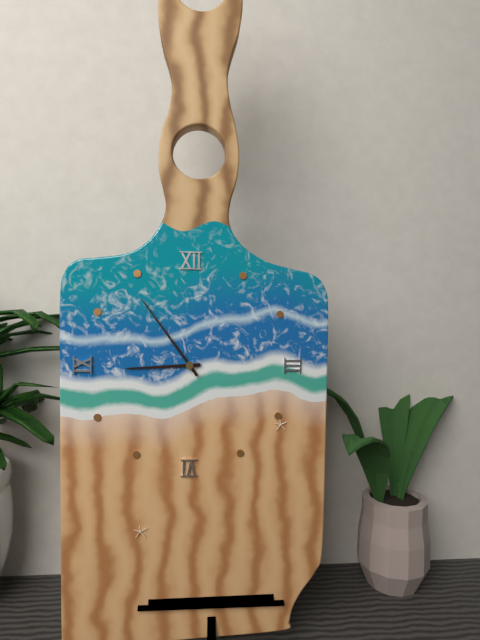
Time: {"hour": 8, "minute": 54}
